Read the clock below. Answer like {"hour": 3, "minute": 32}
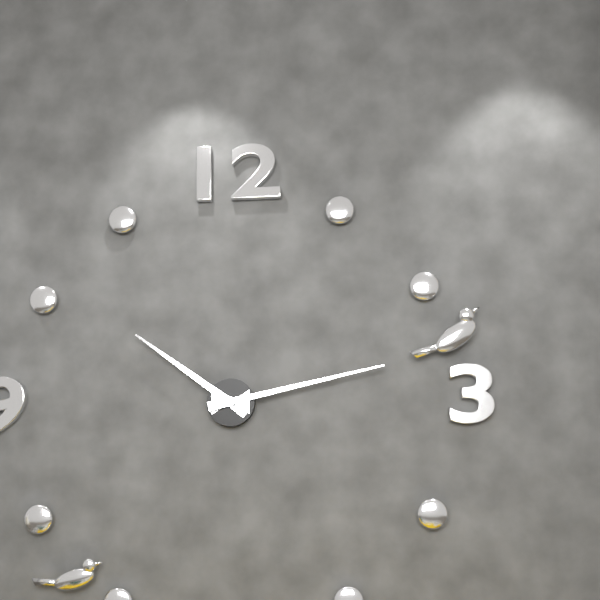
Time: {"hour": 10, "minute": 13}
